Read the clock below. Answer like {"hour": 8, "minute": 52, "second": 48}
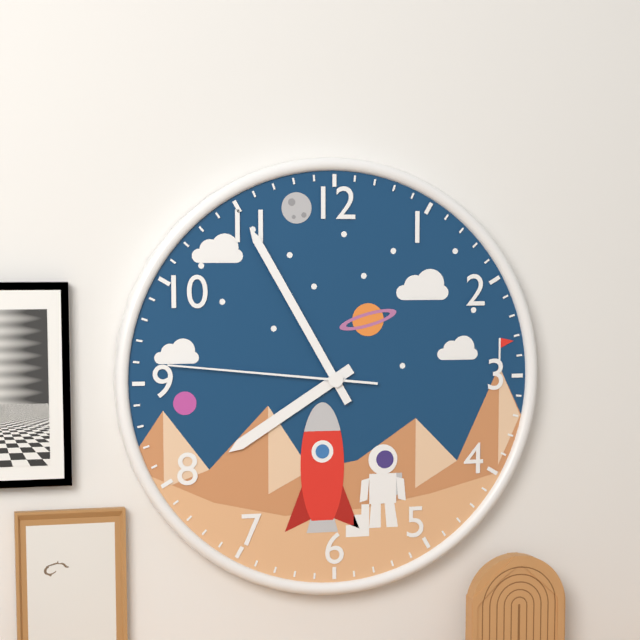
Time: {"hour": 7, "minute": 55, "second": 46}
